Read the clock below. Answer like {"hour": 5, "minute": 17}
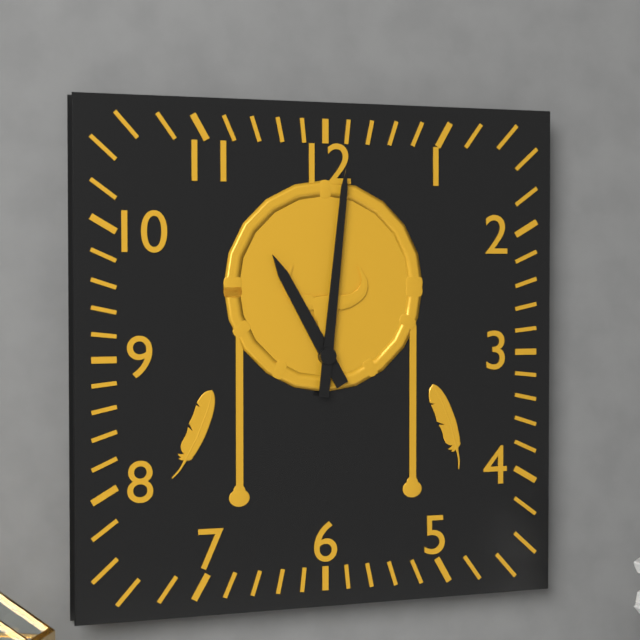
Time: {"hour": 11, "minute": 1}
